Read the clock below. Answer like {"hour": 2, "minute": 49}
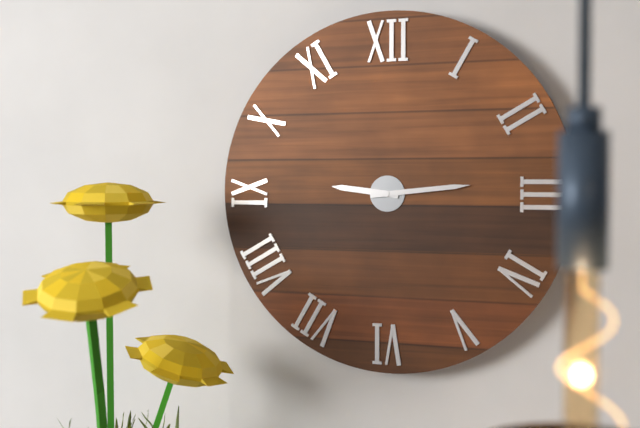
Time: {"hour": 9, "minute": 14}
